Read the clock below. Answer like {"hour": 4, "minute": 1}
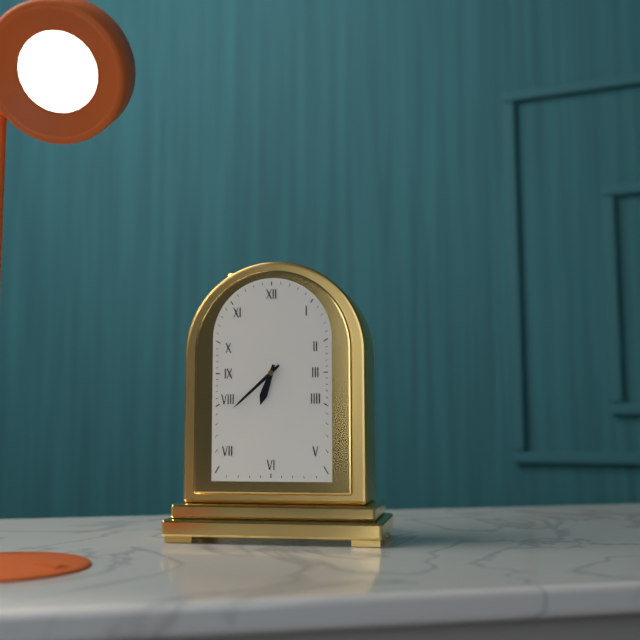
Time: {"hour": 6, "minute": 38}
